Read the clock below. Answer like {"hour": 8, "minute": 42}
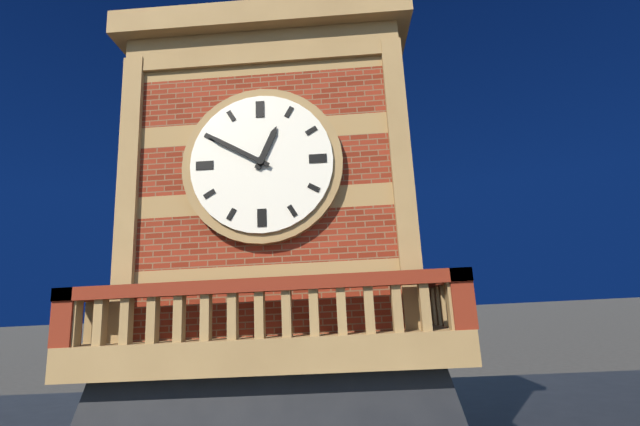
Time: {"hour": 12, "minute": 50}
